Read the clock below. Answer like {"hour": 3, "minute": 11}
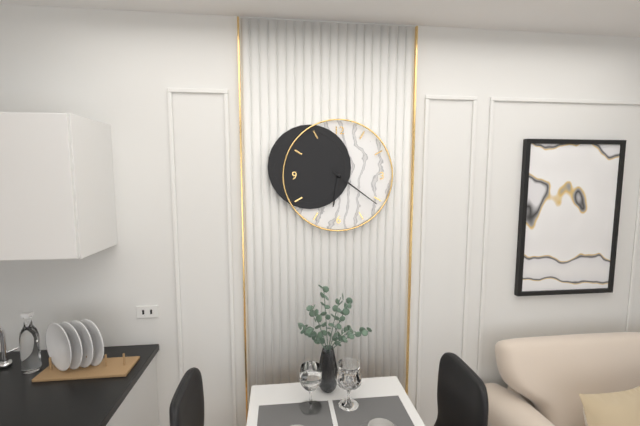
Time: {"hour": 6, "minute": 21}
